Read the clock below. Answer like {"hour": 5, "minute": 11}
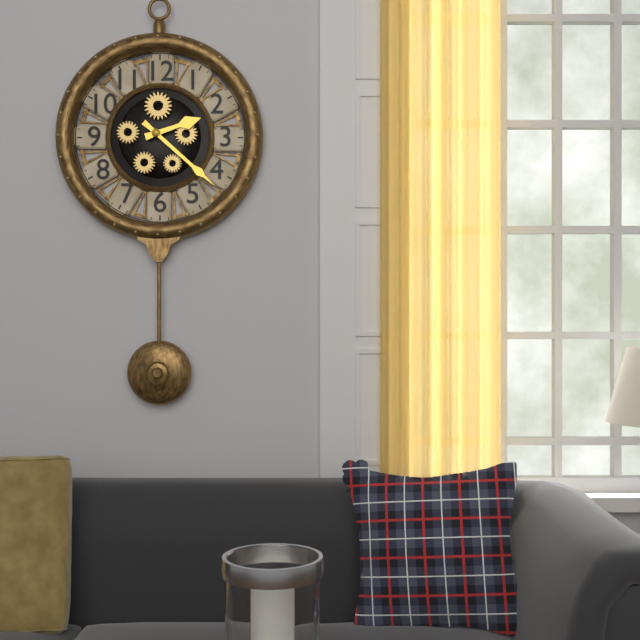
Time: {"hour": 2, "minute": 22}
